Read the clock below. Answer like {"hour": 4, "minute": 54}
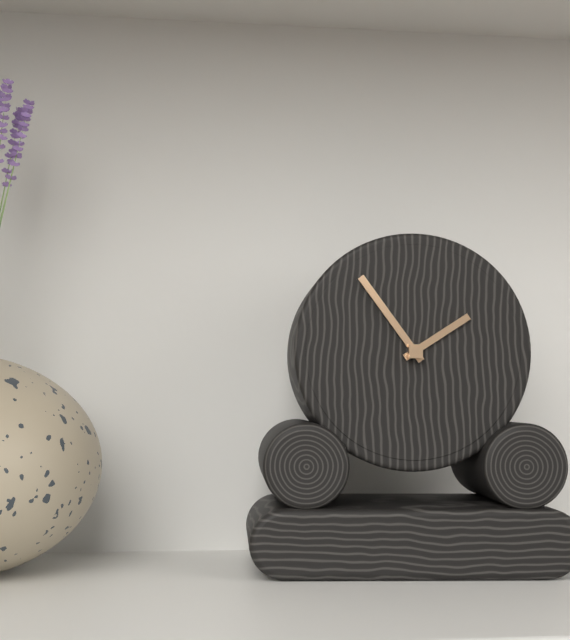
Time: {"hour": 1, "minute": 54}
